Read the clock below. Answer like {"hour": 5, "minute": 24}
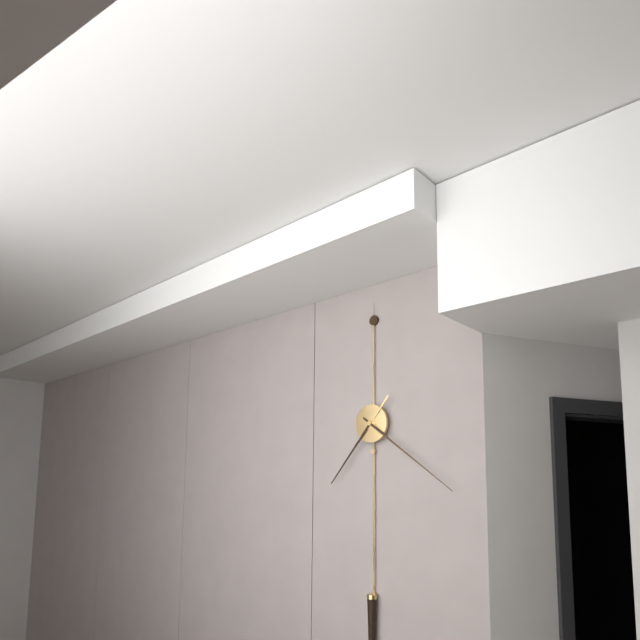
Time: {"hour": 7, "minute": 21}
